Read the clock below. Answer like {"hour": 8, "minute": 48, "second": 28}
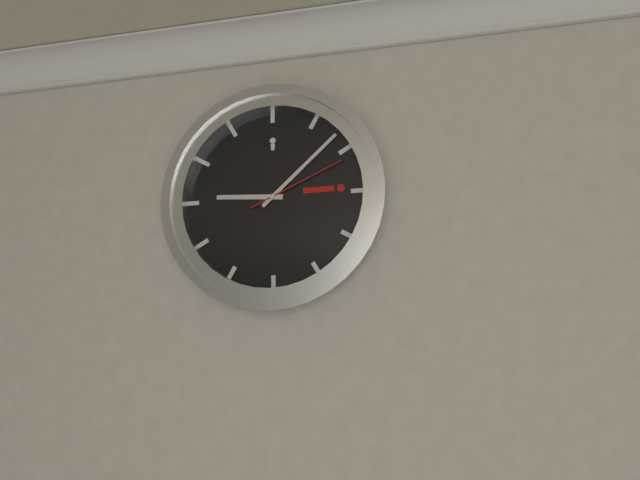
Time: {"hour": 9, "minute": 8, "second": 11}
